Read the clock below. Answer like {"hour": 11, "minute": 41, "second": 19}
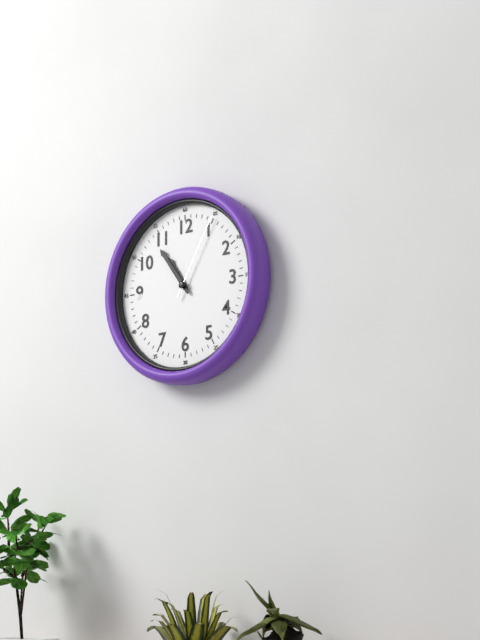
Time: {"hour": 10, "minute": 54, "second": 5}
